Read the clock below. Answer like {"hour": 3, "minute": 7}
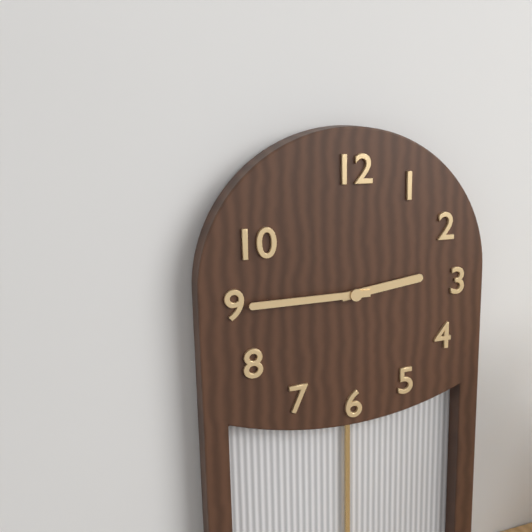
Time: {"hour": 2, "minute": 45}
